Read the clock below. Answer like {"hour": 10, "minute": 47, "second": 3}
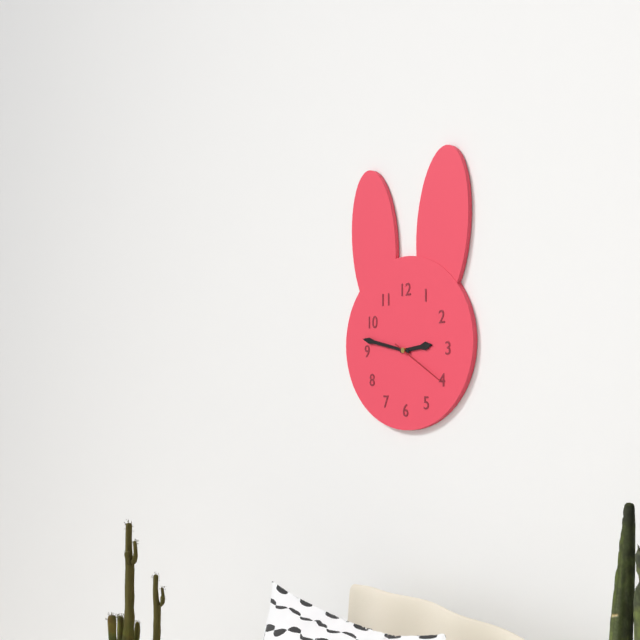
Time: {"hour": 2, "minute": 47, "second": 20}
